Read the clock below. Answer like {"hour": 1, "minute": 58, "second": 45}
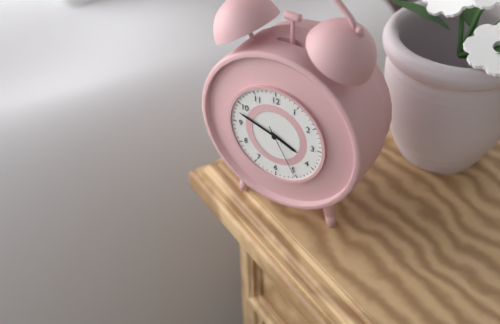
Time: {"hour": 3, "minute": 48, "second": 25}
